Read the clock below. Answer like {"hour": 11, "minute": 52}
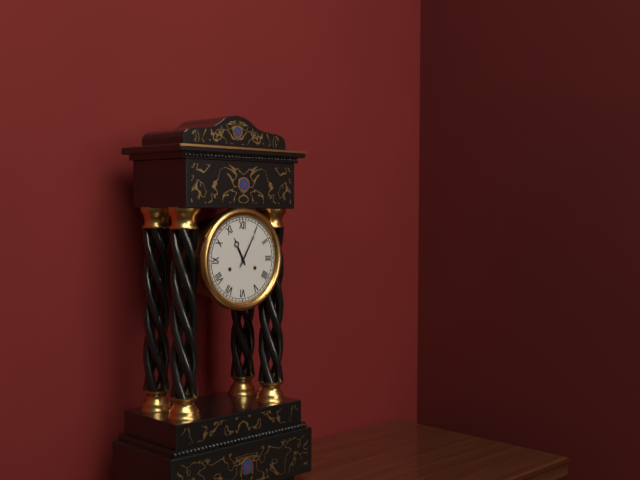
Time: {"hour": 11, "minute": 5}
